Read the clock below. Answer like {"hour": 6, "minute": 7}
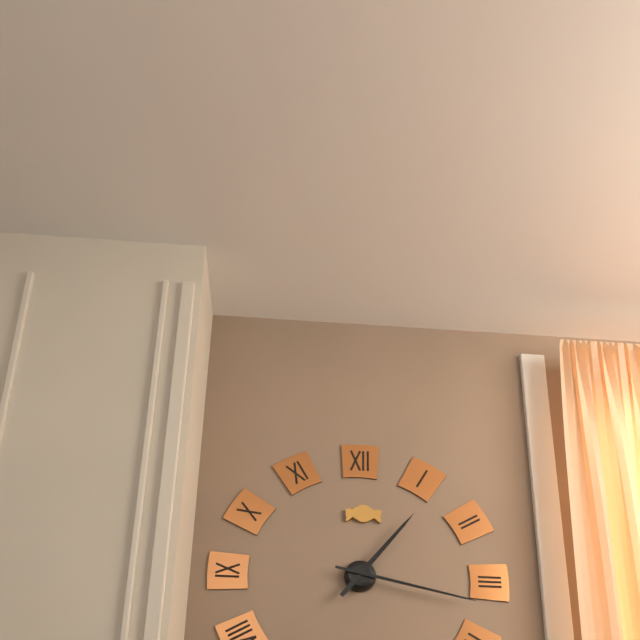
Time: {"hour": 1, "minute": 17}
